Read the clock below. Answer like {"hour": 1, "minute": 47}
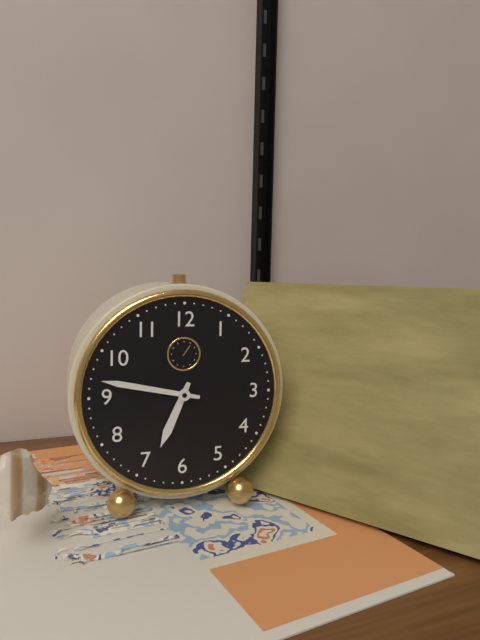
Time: {"hour": 6, "minute": 47}
